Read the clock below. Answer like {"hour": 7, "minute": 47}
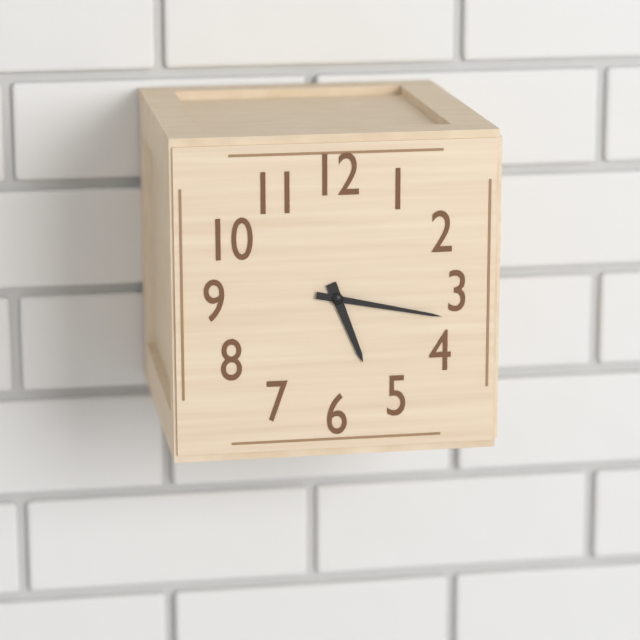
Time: {"hour": 5, "minute": 17}
